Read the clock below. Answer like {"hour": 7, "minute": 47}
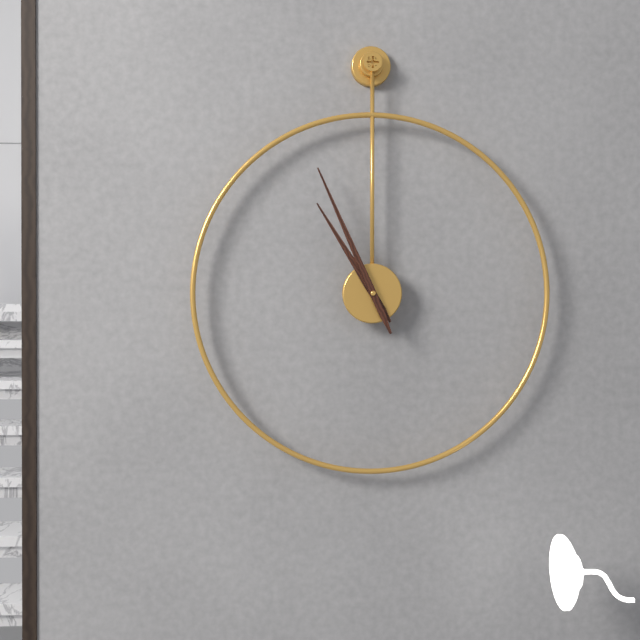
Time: {"hour": 10, "minute": 56}
